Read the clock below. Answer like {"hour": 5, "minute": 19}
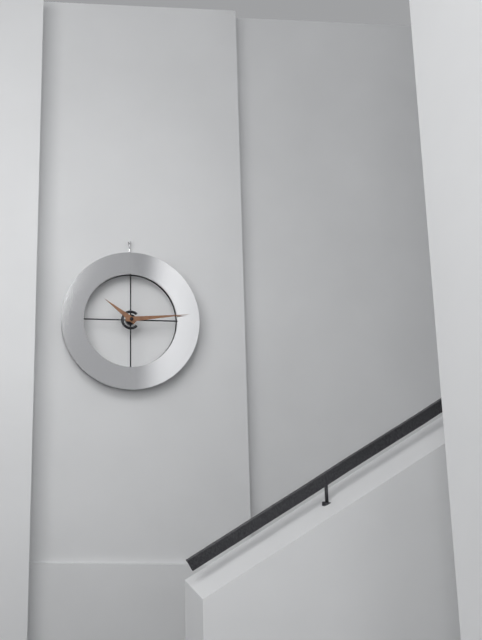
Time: {"hour": 10, "minute": 14}
